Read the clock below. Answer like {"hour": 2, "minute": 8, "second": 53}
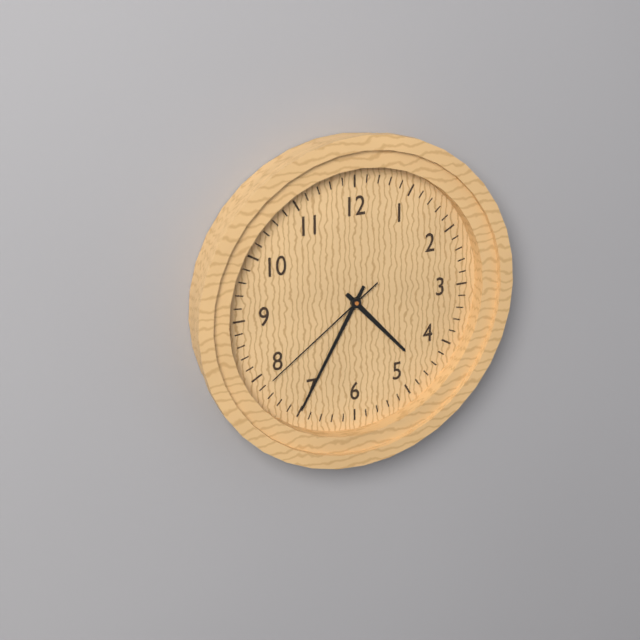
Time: {"hour": 4, "minute": 35, "second": 39}
